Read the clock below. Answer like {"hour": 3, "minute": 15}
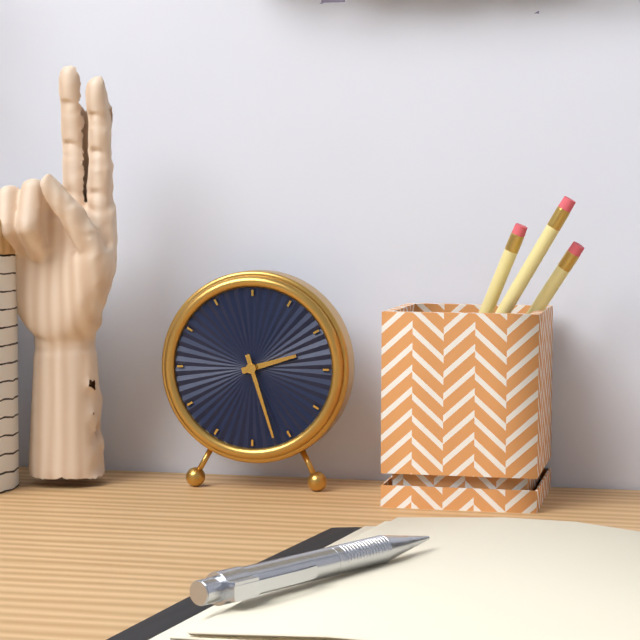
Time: {"hour": 2, "minute": 27}
